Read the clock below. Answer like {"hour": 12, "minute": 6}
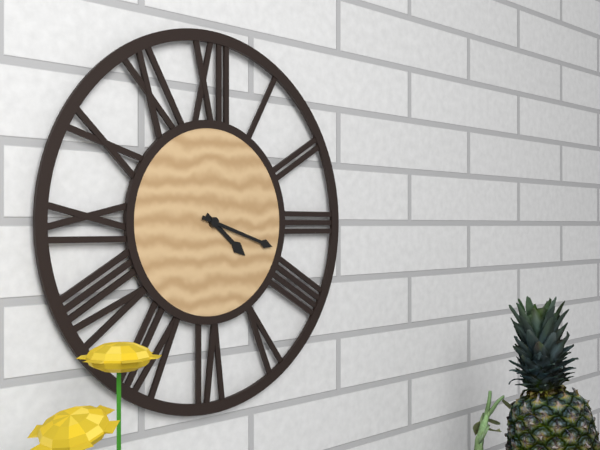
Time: {"hour": 4, "minute": 18}
